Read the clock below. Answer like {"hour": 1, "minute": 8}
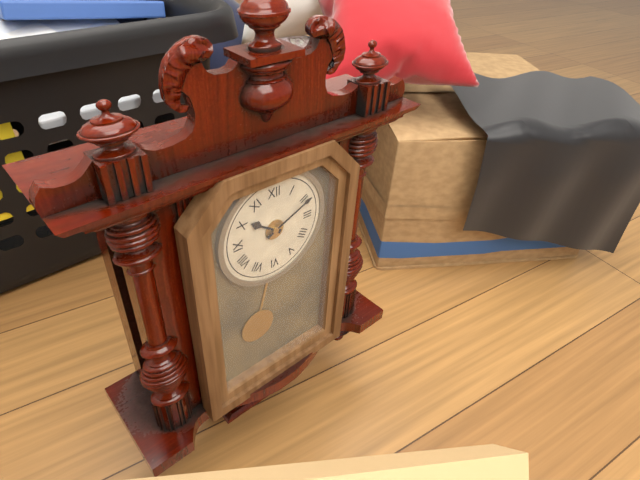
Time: {"hour": 10, "minute": 11}
